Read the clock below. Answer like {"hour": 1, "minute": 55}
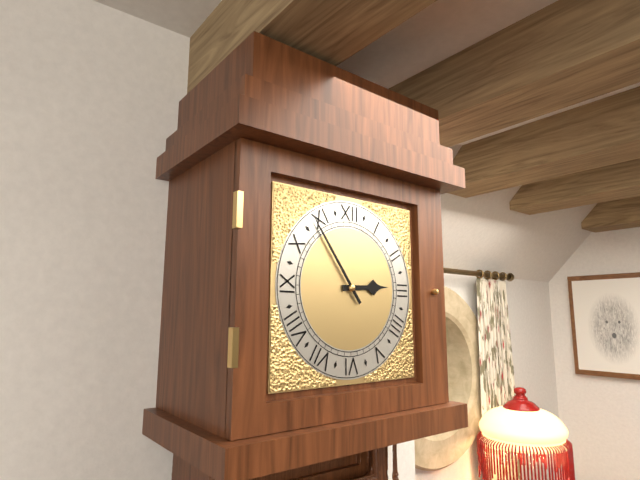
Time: {"hour": 2, "minute": 54}
